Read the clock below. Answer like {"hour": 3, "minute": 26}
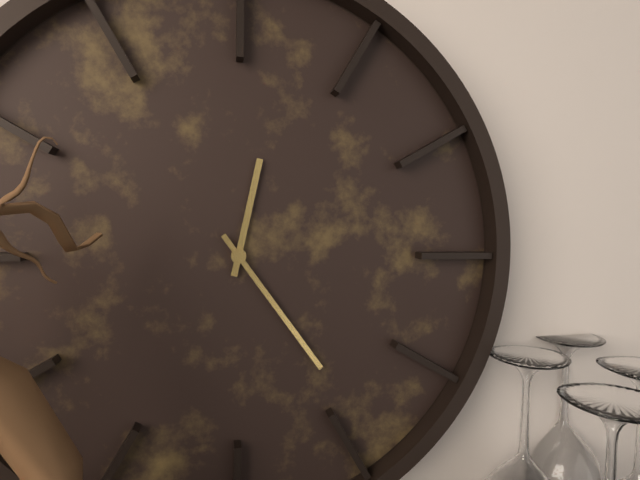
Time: {"hour": 12, "minute": 24}
